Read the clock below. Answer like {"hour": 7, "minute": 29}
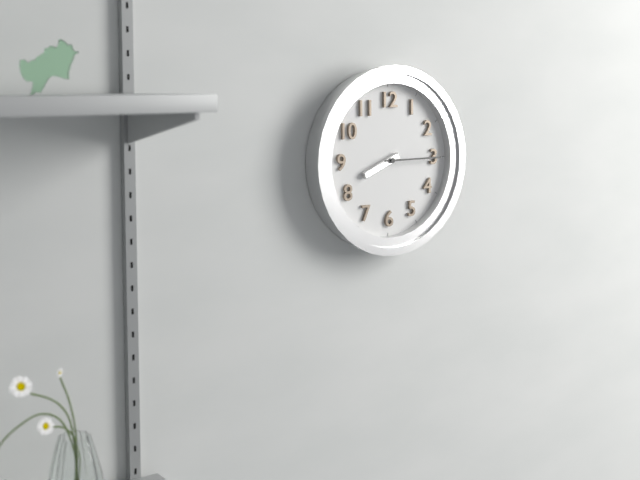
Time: {"hour": 8, "minute": 15}
